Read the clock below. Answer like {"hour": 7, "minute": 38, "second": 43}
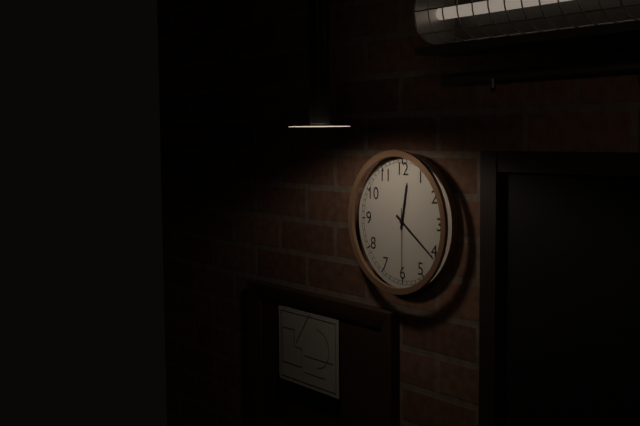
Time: {"hour": 12, "minute": 21, "second": 30}
